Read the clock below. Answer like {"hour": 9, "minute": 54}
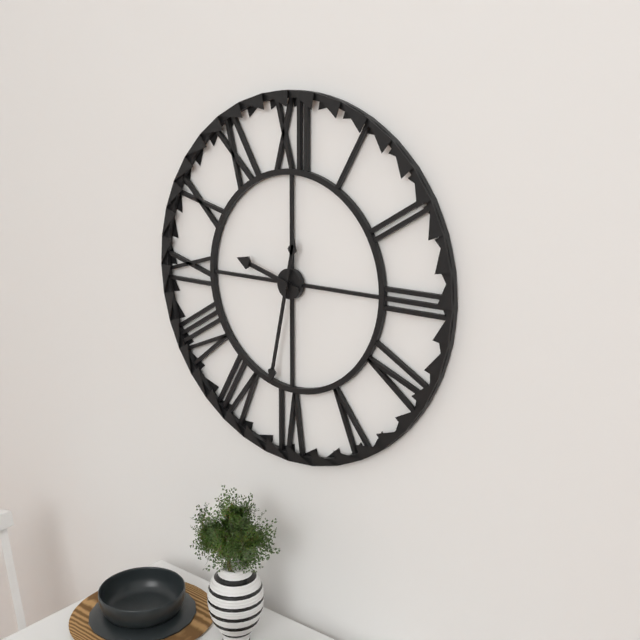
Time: {"hour": 9, "minute": 32}
